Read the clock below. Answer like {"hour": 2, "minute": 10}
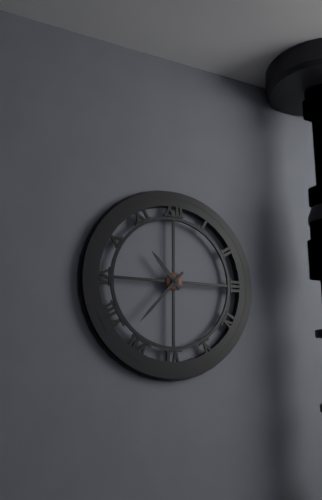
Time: {"hour": 10, "minute": 37}
